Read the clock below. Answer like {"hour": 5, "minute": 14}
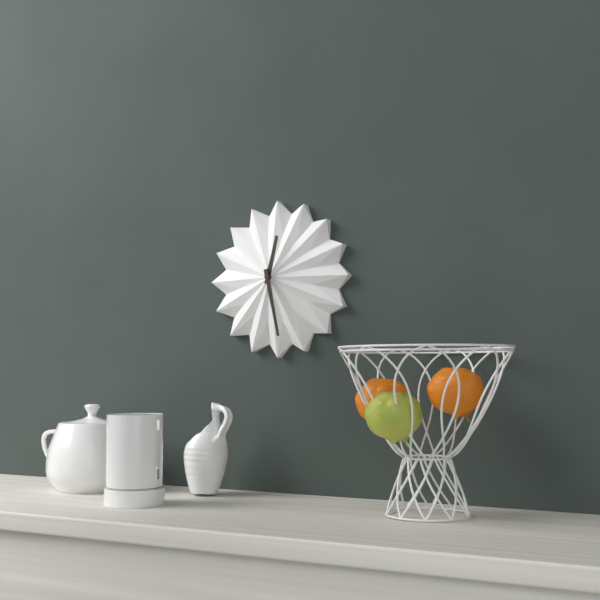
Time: {"hour": 12, "minute": 28}
